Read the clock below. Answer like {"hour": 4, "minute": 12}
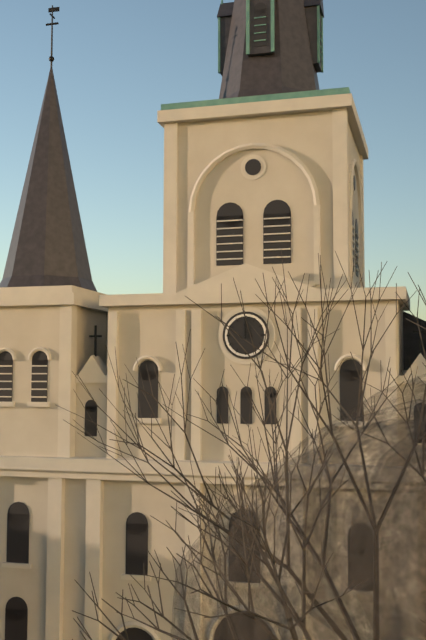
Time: {"hour": 12, "minute": 0}
